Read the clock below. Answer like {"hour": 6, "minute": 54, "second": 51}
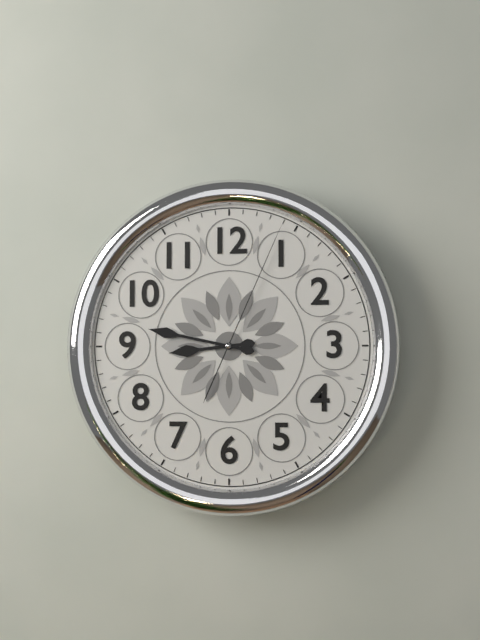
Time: {"hour": 8, "minute": 47, "second": 4}
